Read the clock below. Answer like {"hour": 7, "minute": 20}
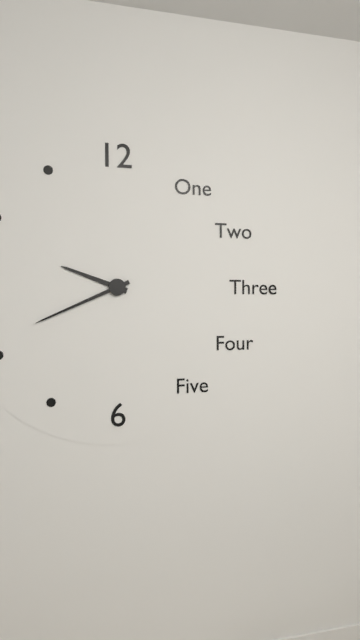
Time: {"hour": 9, "minute": 41}
